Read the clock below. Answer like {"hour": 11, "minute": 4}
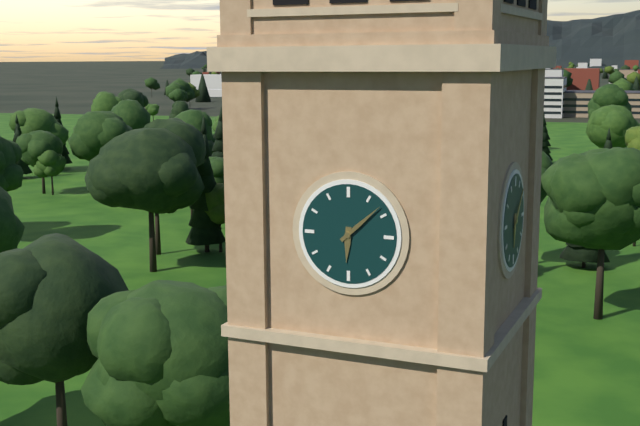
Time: {"hour": 6, "minute": 8}
